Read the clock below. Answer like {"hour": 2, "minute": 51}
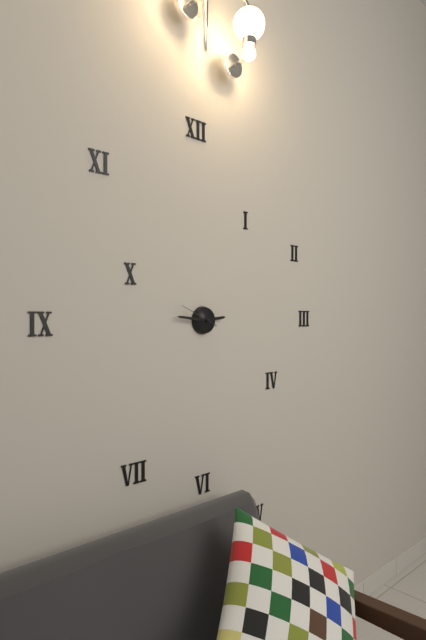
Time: {"hour": 2, "minute": 46}
